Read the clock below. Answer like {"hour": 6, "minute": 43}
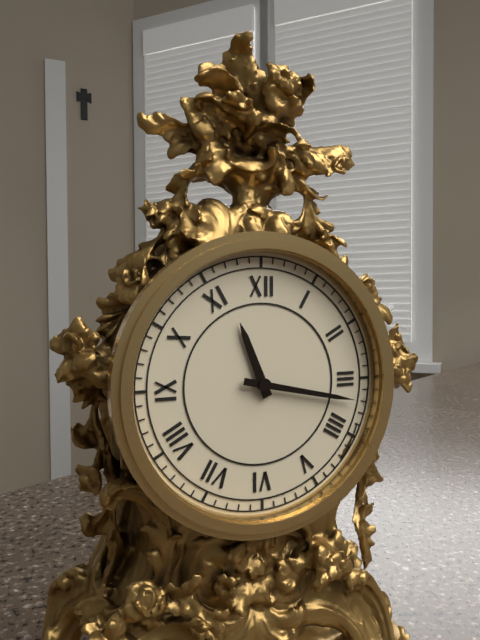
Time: {"hour": 11, "minute": 17}
